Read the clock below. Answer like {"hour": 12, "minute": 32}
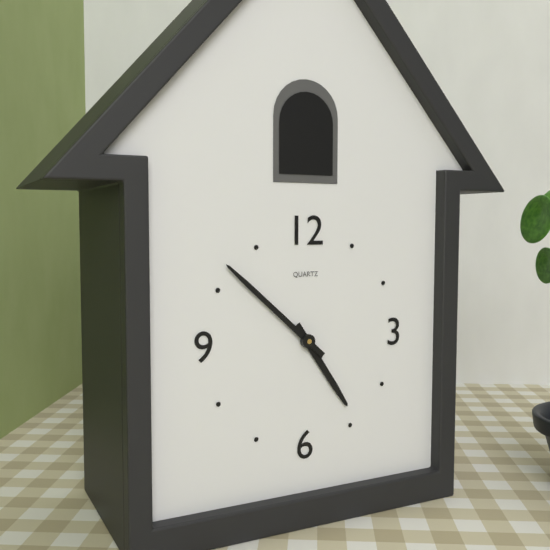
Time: {"hour": 4, "minute": 52}
